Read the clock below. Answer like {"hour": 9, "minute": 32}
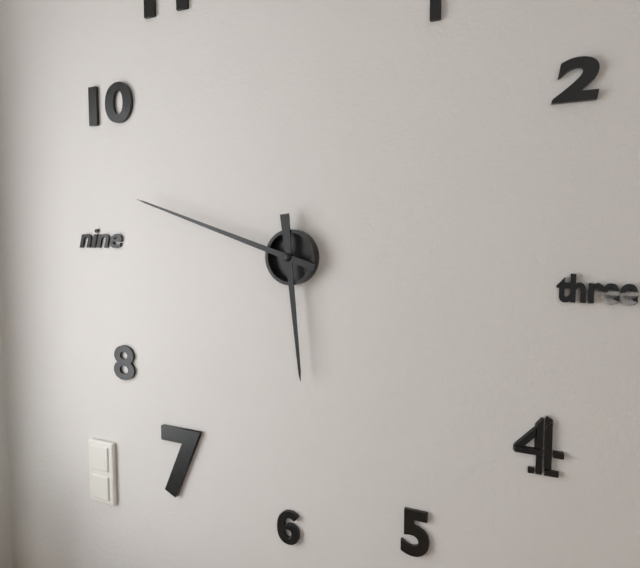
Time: {"hour": 5, "minute": 48}
